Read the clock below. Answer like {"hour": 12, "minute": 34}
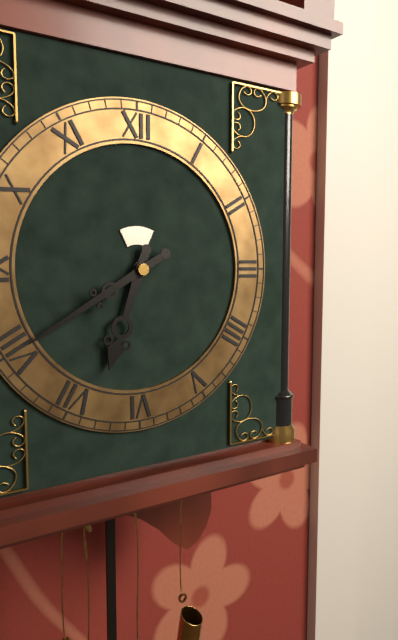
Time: {"hour": 6, "minute": 40}
